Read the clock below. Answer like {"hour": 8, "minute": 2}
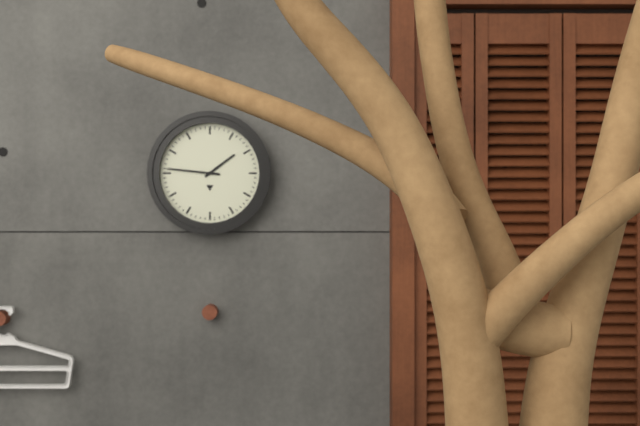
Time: {"hour": 1, "minute": 46}
